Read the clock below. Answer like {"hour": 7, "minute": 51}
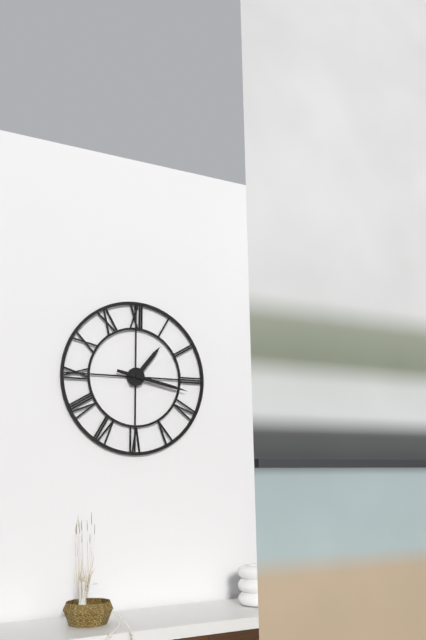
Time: {"hour": 1, "minute": 17}
